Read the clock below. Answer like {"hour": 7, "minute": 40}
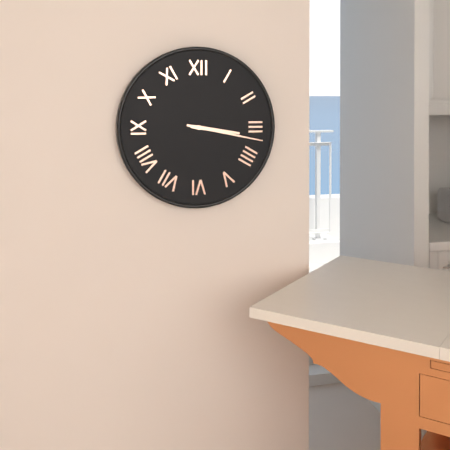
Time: {"hour": 3, "minute": 17}
